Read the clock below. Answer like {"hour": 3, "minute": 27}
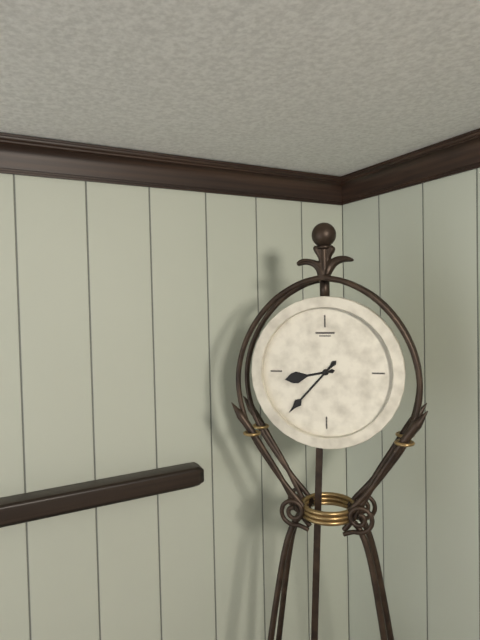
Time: {"hour": 8, "minute": 37}
